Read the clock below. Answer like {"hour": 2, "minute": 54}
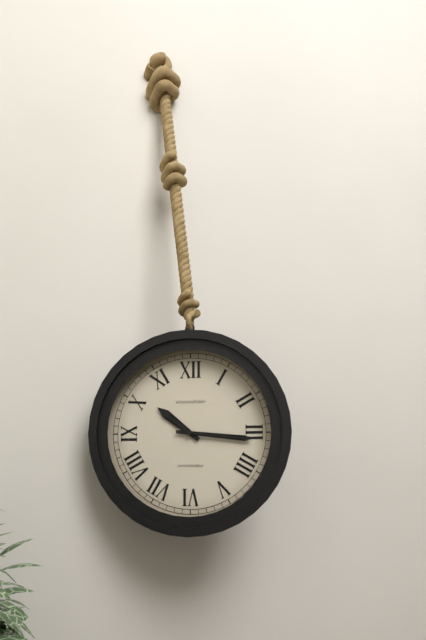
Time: {"hour": 10, "minute": 16}
